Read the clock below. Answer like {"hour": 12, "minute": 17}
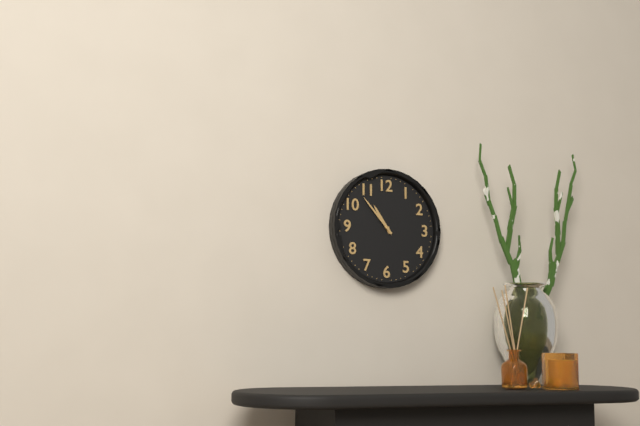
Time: {"hour": 10, "minute": 53}
